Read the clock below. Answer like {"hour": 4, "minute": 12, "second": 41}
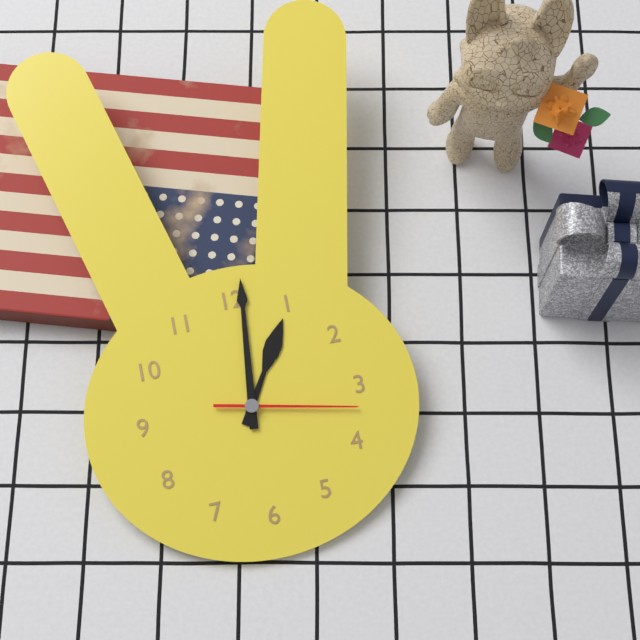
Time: {"hour": 1, "minute": 1, "second": 17}
